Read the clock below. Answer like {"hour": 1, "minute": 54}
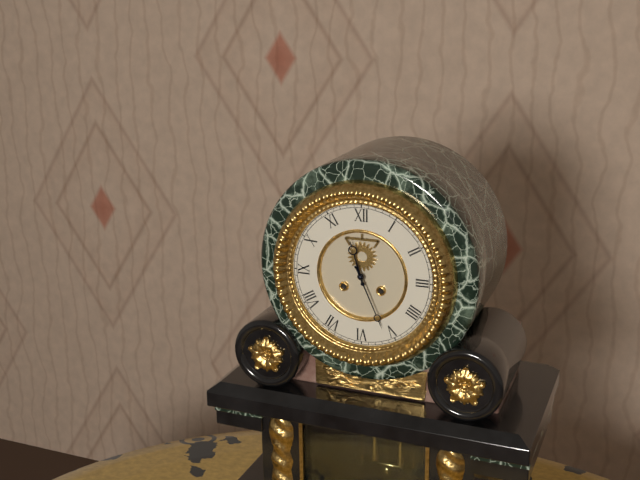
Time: {"hour": 11, "minute": 26}
